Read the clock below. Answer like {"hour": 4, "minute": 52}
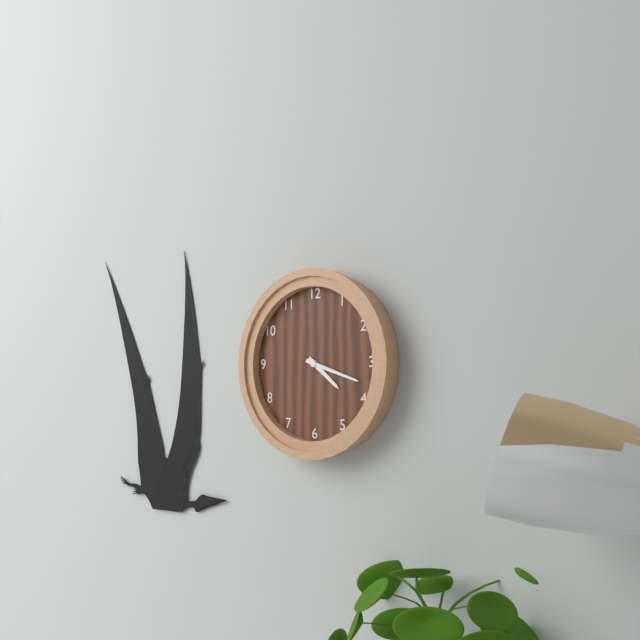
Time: {"hour": 4, "minute": 18}
